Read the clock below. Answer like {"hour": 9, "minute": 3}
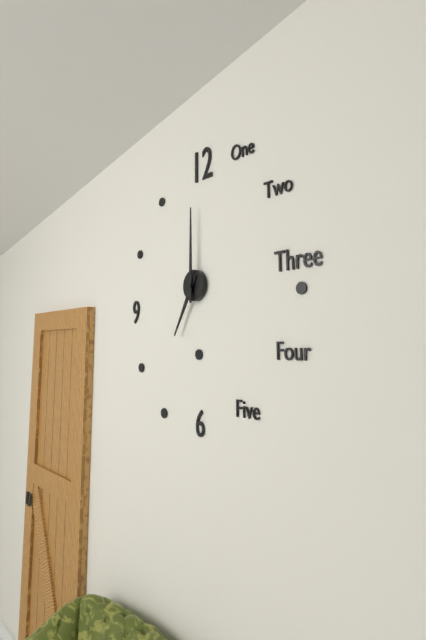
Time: {"hour": 7, "minute": 0}
